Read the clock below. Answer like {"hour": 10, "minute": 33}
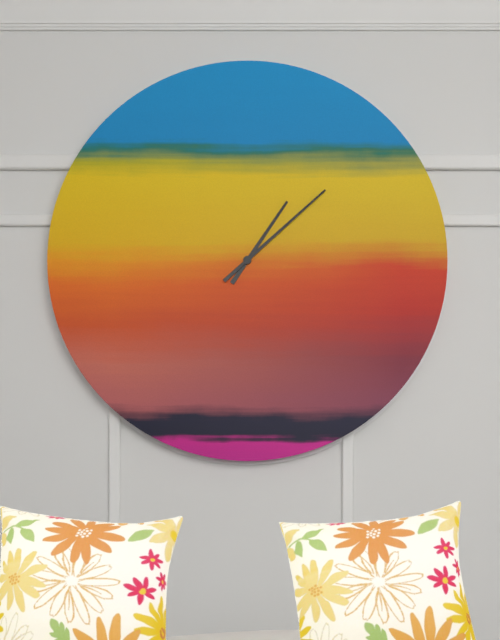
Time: {"hour": 1, "minute": 8}
